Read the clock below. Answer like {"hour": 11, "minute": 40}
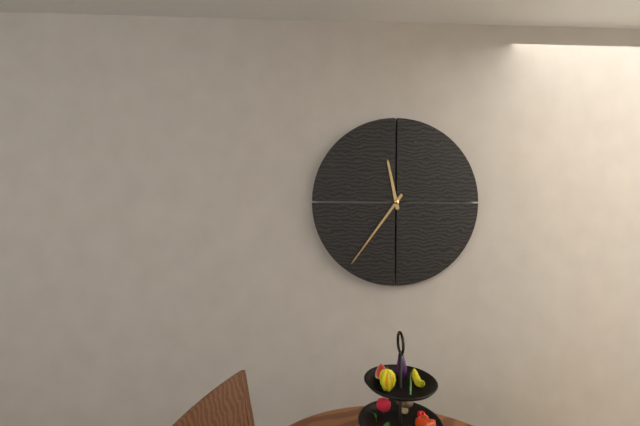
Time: {"hour": 11, "minute": 36}
